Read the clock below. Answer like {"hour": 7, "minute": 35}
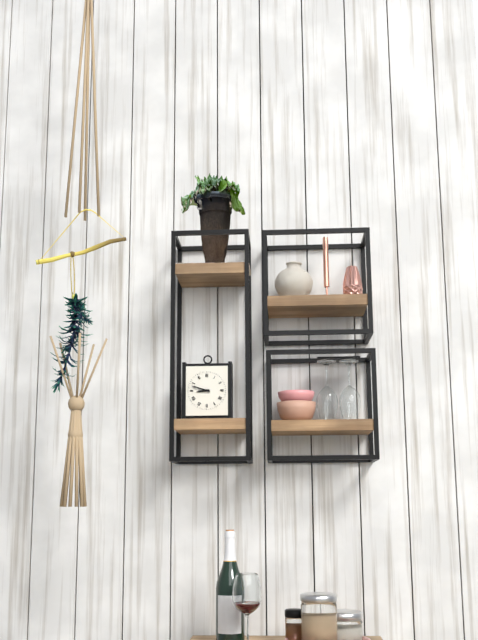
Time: {"hour": 8, "minute": 48}
